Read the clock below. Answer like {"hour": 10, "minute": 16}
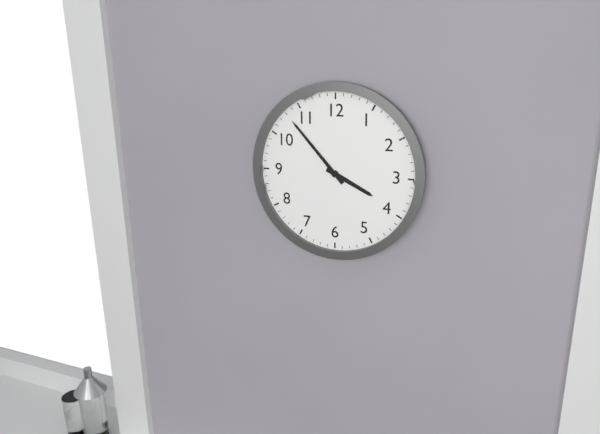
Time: {"hour": 3, "minute": 53}
